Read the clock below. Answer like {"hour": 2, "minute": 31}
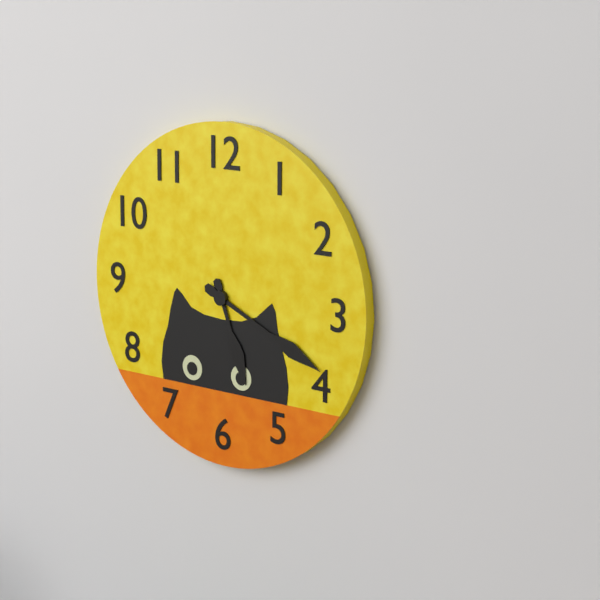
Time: {"hour": 5, "minute": 19}
